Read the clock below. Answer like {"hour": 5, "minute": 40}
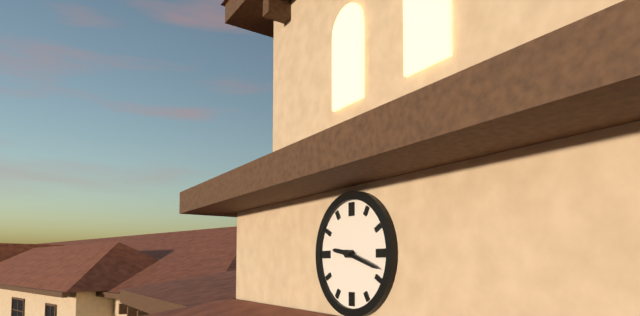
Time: {"hour": 9, "minute": 18}
